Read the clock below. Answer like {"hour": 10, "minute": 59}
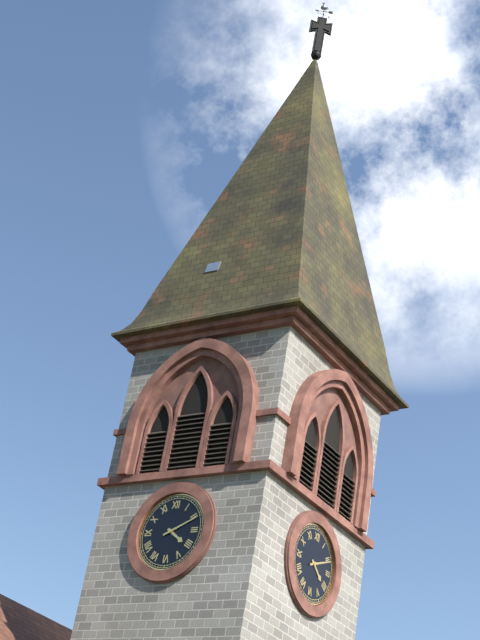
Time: {"hour": 4, "minute": 11}
